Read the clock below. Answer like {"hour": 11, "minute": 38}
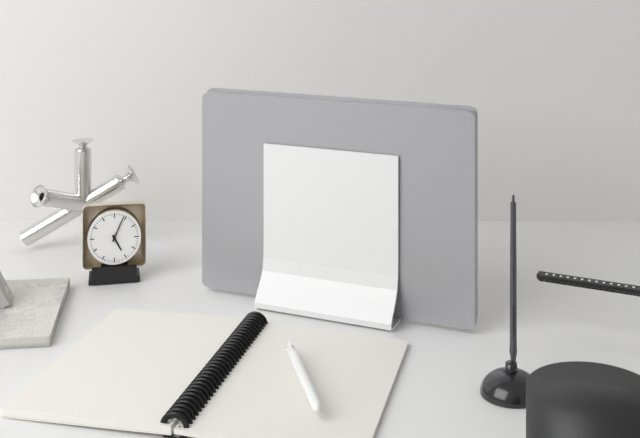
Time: {"hour": 5, "minute": 4}
